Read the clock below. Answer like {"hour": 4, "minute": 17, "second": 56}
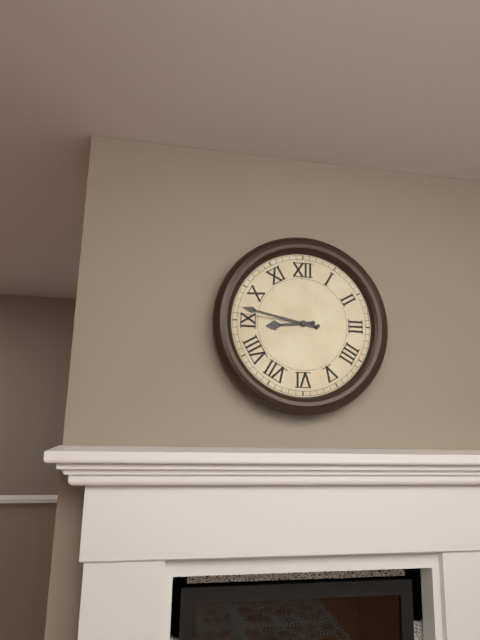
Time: {"hour": 8, "minute": 47, "second": 46}
